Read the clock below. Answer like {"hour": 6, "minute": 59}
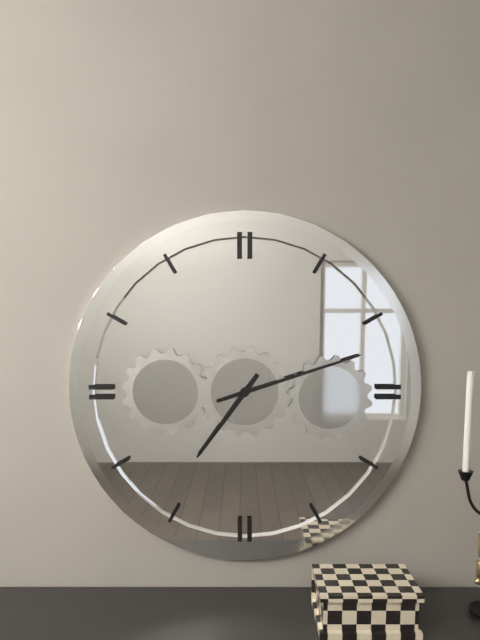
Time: {"hour": 7, "minute": 12}
